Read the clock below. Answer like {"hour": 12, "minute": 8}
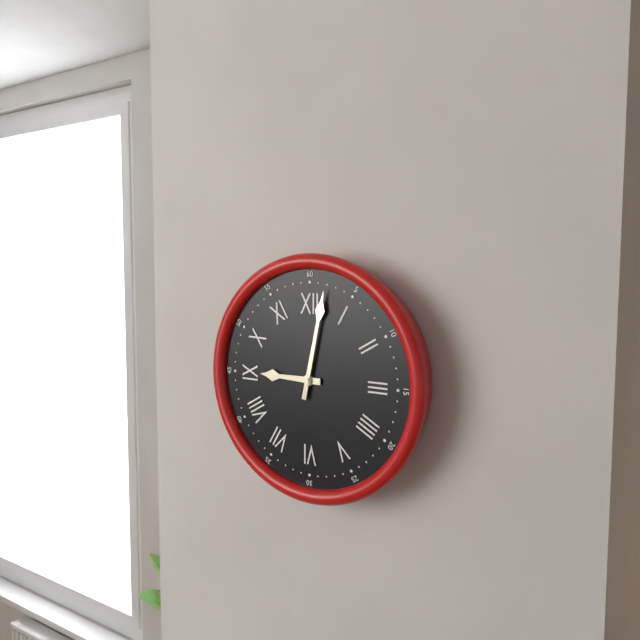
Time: {"hour": 9, "minute": 2}
